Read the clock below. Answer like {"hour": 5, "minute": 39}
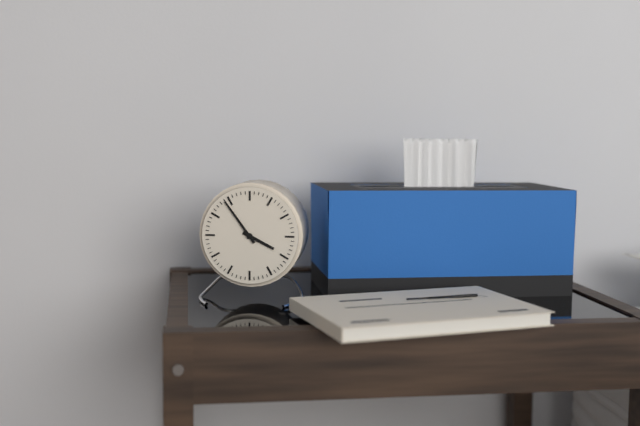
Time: {"hour": 3, "minute": 54}
